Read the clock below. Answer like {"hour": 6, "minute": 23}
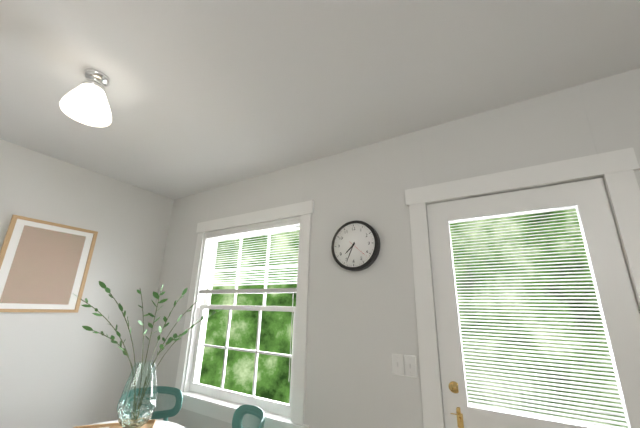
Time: {"hour": 7, "minute": 34}
